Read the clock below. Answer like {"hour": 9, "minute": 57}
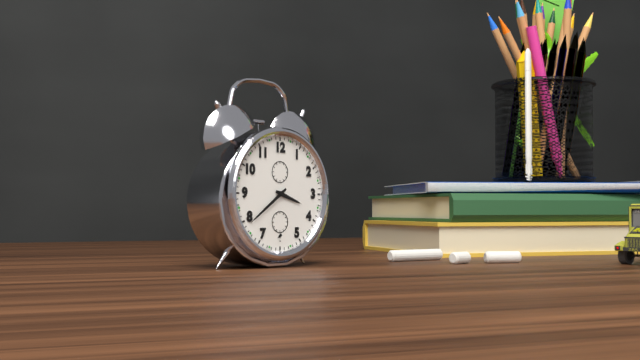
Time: {"hour": 3, "minute": 39}
